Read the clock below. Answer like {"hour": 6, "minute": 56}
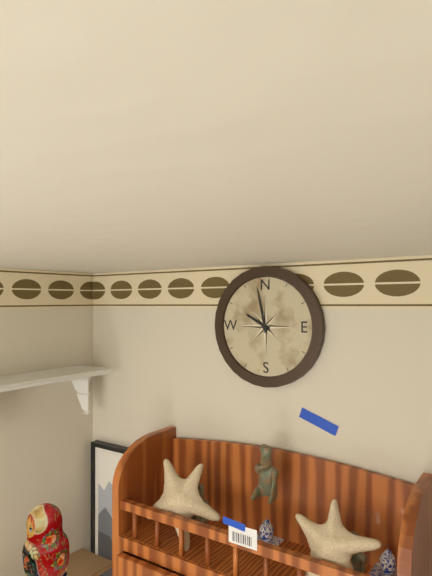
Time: {"hour": 9, "minute": 58}
